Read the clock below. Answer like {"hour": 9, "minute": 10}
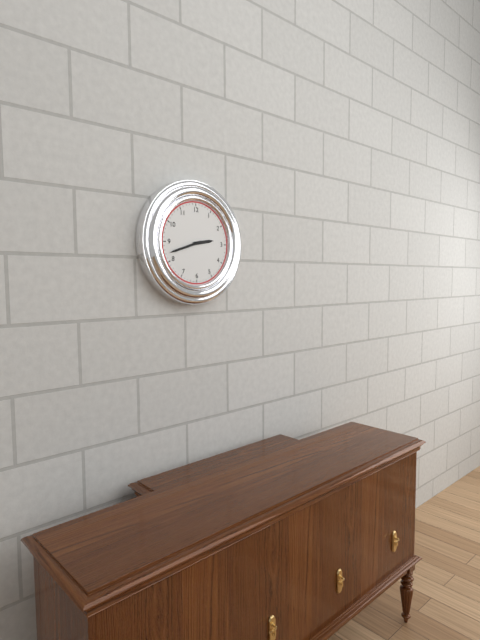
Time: {"hour": 2, "minute": 42}
